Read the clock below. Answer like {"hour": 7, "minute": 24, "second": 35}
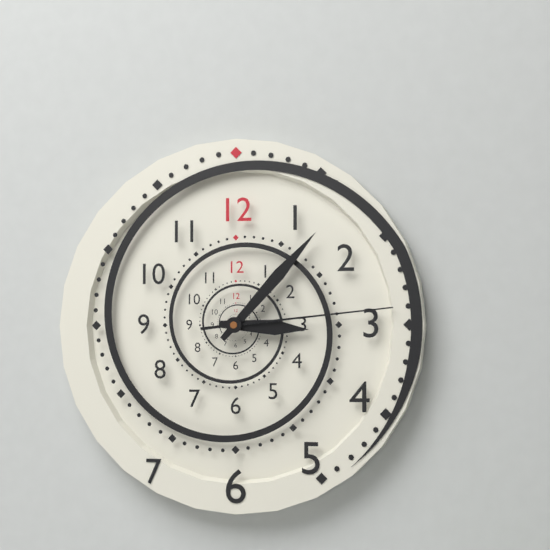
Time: {"hour": 3, "minute": 7, "second": 14}
